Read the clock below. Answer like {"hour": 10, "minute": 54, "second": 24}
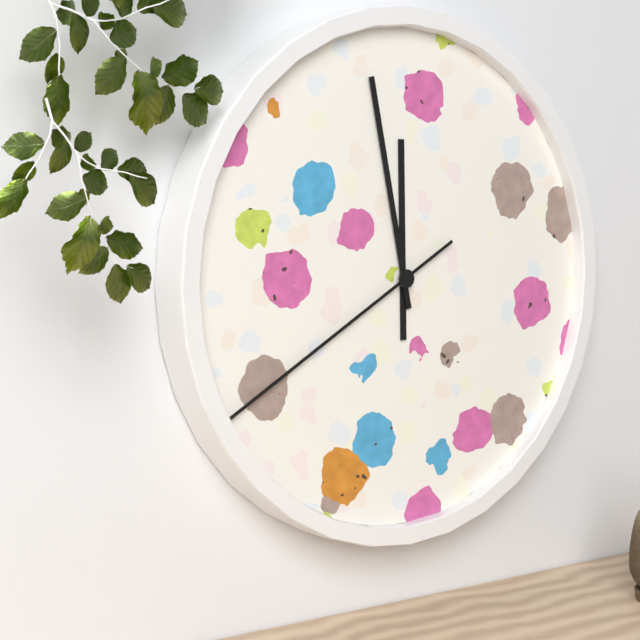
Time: {"hour": 11, "minute": 58, "second": 40}
